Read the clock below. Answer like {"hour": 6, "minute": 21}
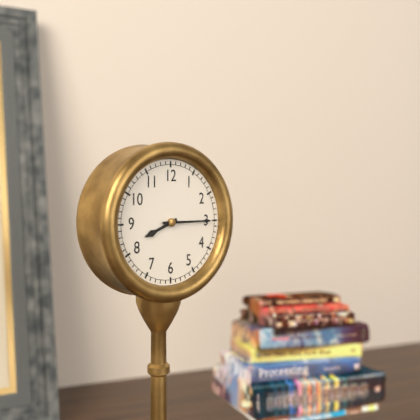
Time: {"hour": 8, "minute": 15}
